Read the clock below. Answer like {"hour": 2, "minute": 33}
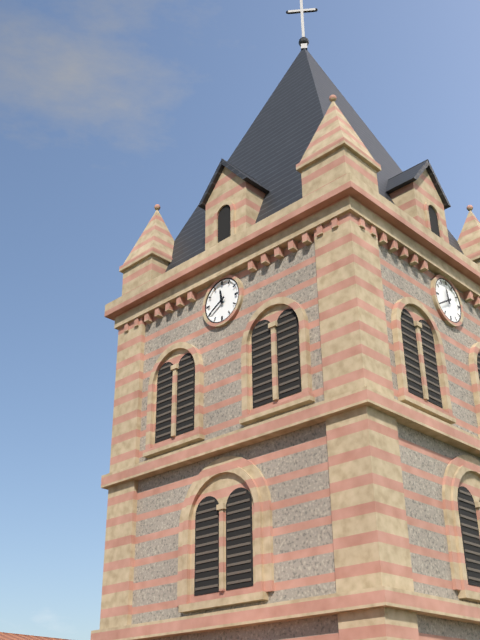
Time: {"hour": 11, "minute": 40}
